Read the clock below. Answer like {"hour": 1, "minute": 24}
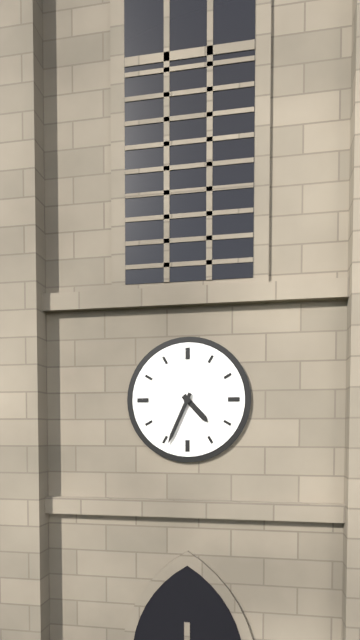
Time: {"hour": 4, "minute": 34}
